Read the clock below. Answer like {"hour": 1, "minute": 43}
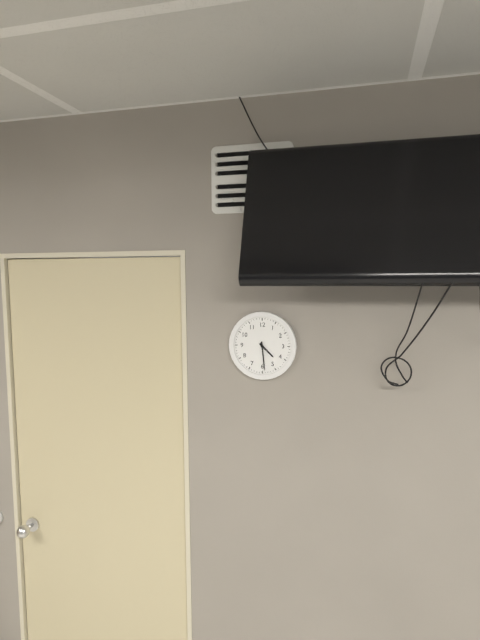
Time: {"hour": 4, "minute": 29}
